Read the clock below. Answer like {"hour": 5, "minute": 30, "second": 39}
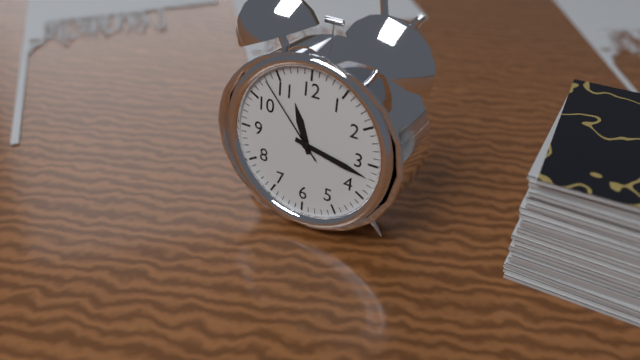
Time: {"hour": 11, "minute": 17, "second": 53}
